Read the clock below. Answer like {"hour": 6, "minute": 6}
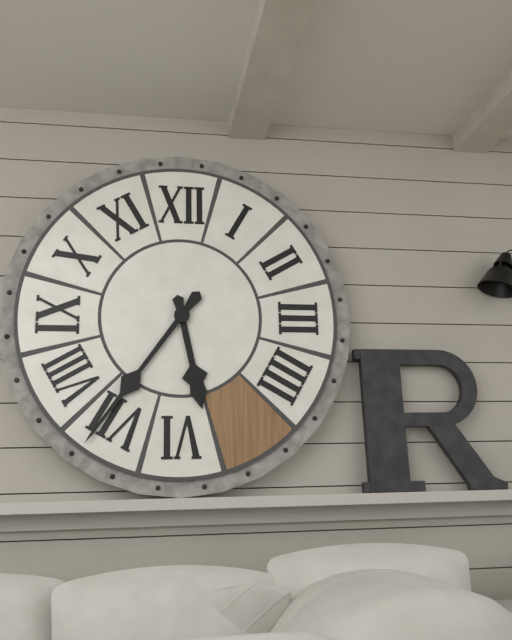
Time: {"hour": 5, "minute": 36}
